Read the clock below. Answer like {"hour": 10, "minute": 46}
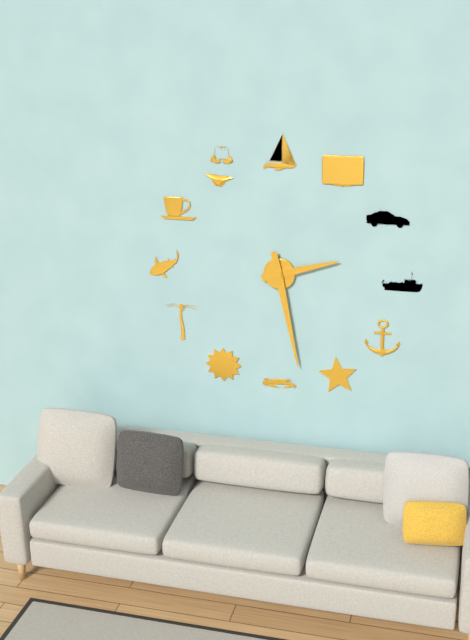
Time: {"hour": 2, "minute": 28}
